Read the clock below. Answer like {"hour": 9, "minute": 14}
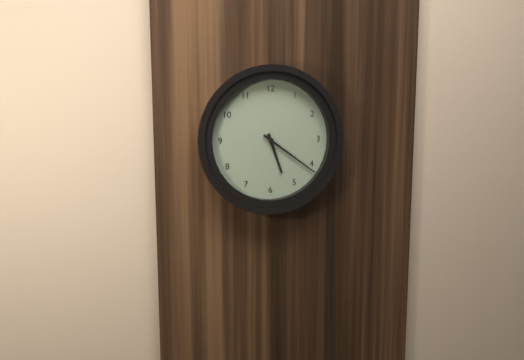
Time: {"hour": 5, "minute": 21}
